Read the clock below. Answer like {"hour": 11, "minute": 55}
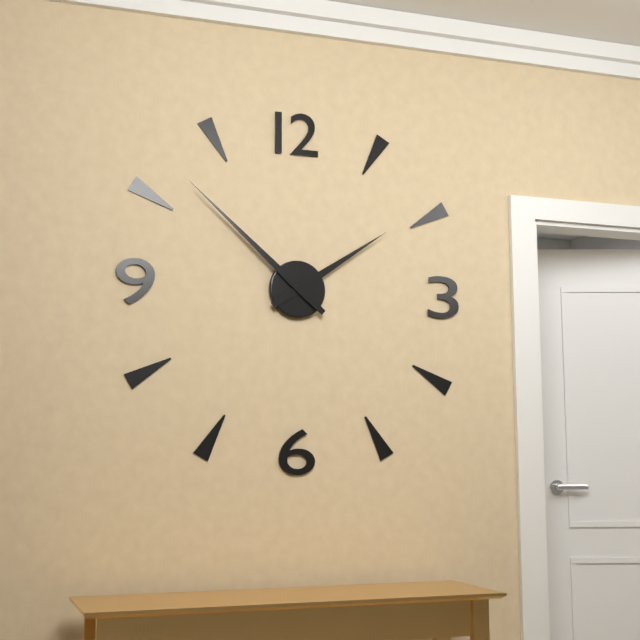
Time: {"hour": 1, "minute": 52}
